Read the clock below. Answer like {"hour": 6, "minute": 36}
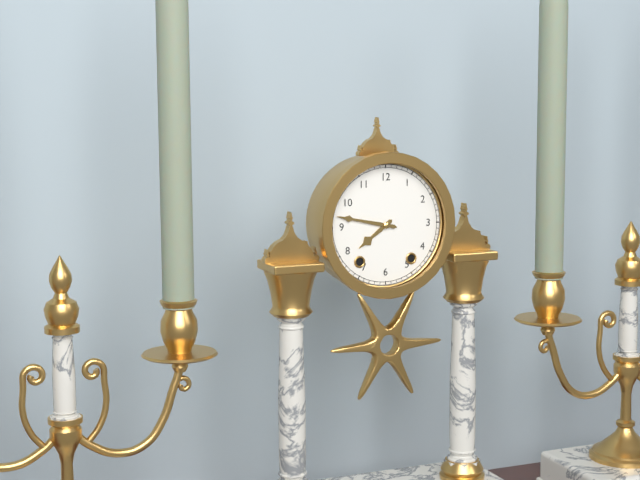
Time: {"hour": 7, "minute": 47}
